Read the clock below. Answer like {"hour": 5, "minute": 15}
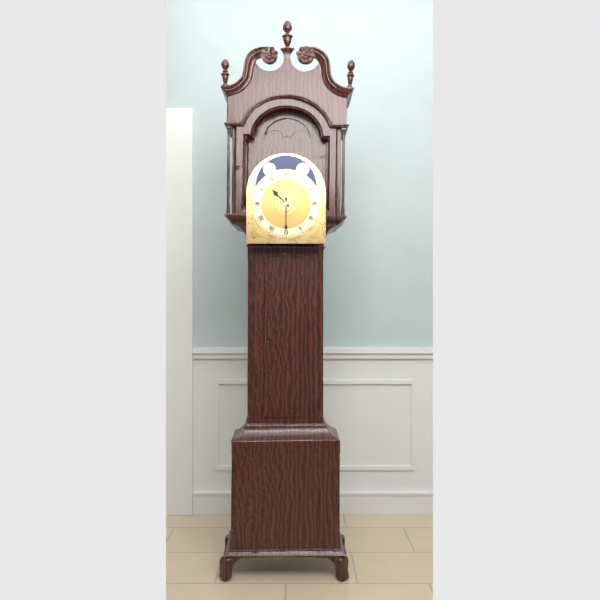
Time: {"hour": 10, "minute": 30}
